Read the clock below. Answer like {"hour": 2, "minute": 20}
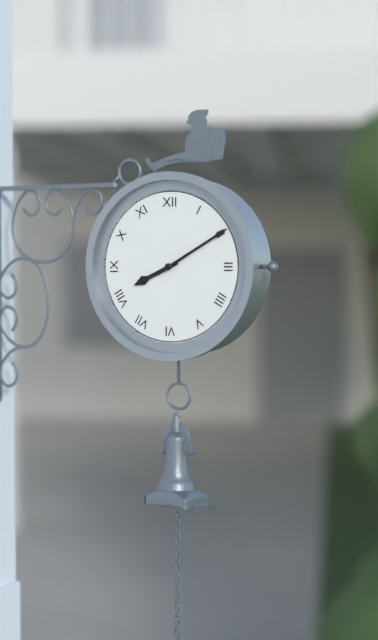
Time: {"hour": 8, "minute": 10}
